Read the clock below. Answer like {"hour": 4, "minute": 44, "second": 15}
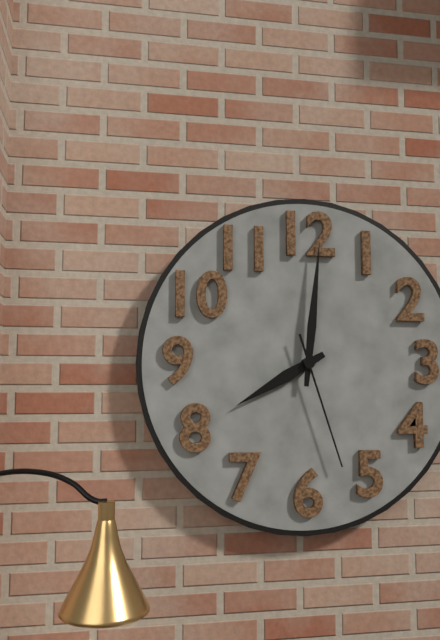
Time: {"hour": 8, "minute": 1, "second": 27}
